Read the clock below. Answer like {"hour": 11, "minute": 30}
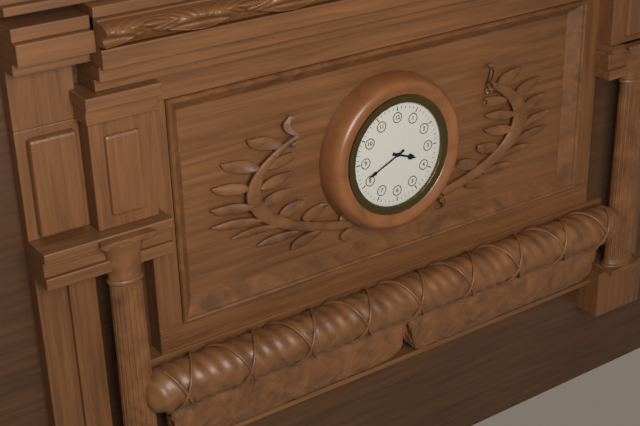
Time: {"hour": 3, "minute": 41}
